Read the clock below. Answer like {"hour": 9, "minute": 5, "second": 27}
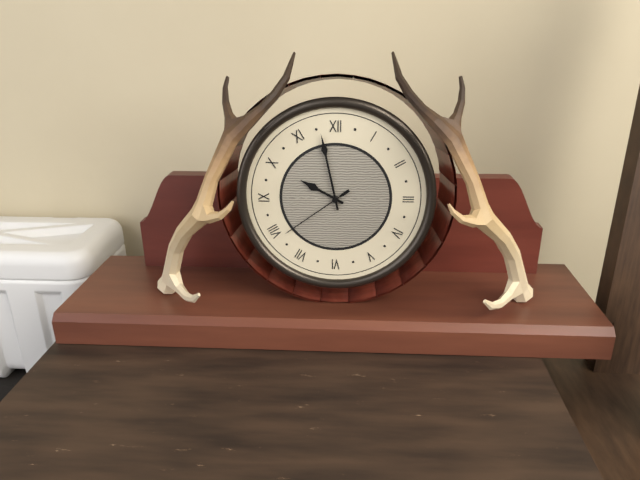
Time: {"hour": 9, "minute": 58, "second": 39}
